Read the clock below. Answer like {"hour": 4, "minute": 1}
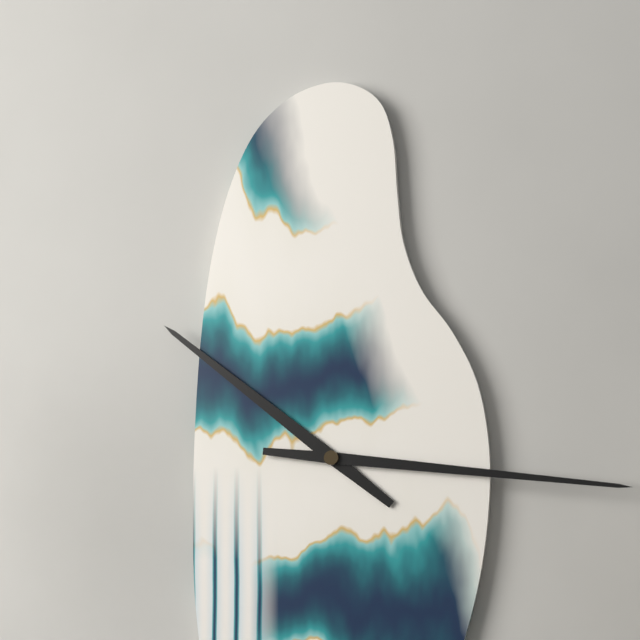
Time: {"hour": 10, "minute": 16}
